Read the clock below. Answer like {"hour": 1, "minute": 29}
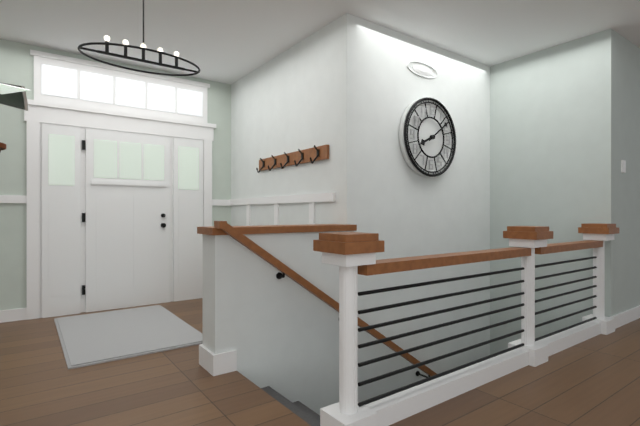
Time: {"hour": 8, "minute": 9}
